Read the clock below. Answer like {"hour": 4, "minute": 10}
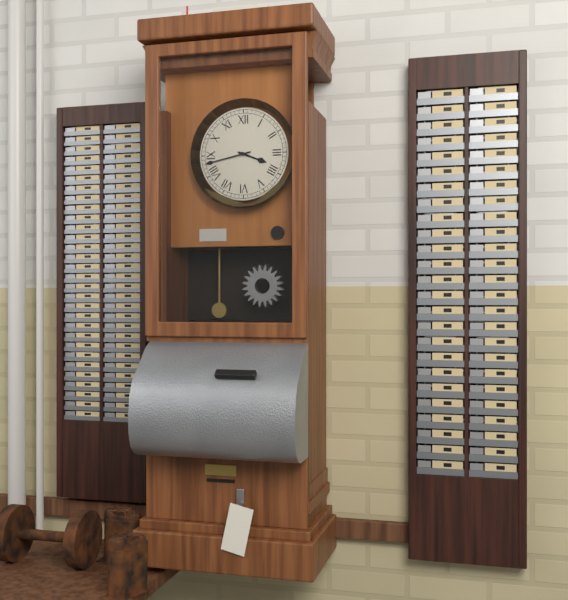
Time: {"hour": 3, "minute": 43}
